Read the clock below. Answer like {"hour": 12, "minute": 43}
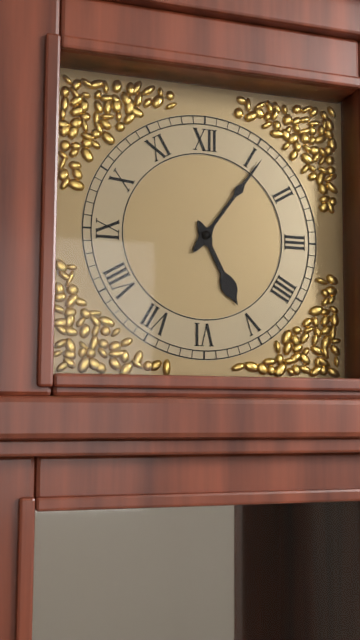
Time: {"hour": 5, "minute": 6}
